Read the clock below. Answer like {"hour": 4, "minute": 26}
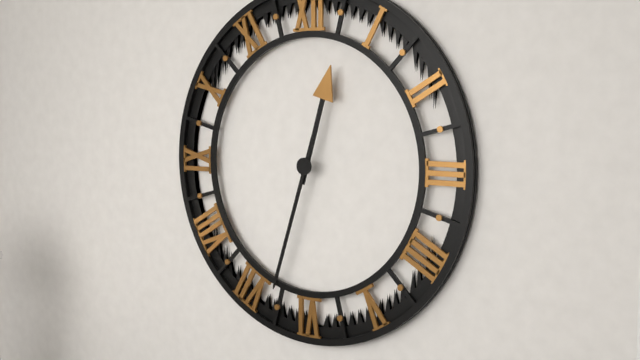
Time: {"hour": 12, "minute": 33}
